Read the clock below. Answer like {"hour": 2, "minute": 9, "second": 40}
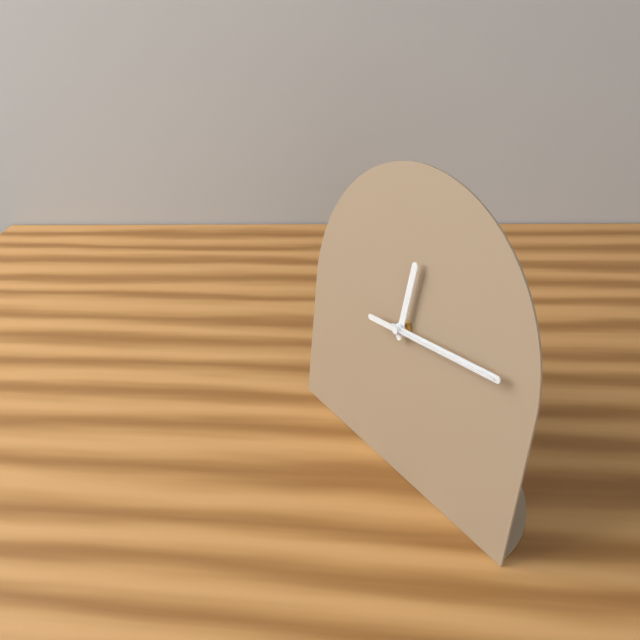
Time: {"hour": 12, "minute": 14, "second": 14}
